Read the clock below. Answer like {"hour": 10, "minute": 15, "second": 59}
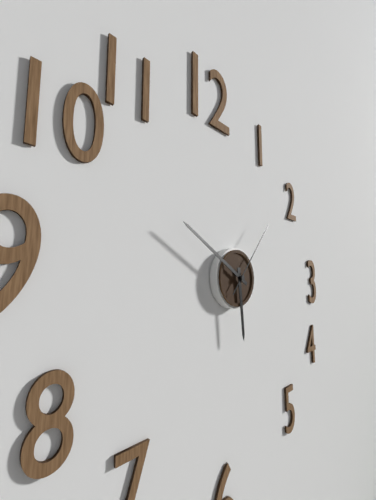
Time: {"hour": 5, "minute": 50, "second": 7}
